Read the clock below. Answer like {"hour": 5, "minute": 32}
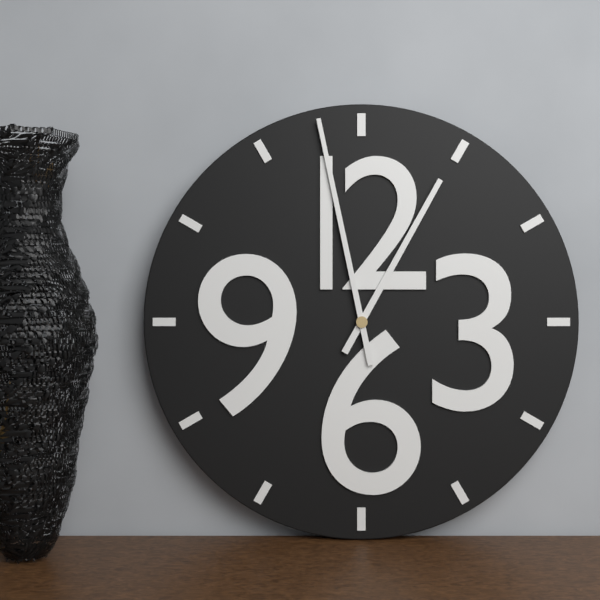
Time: {"hour": 12, "minute": 58}
